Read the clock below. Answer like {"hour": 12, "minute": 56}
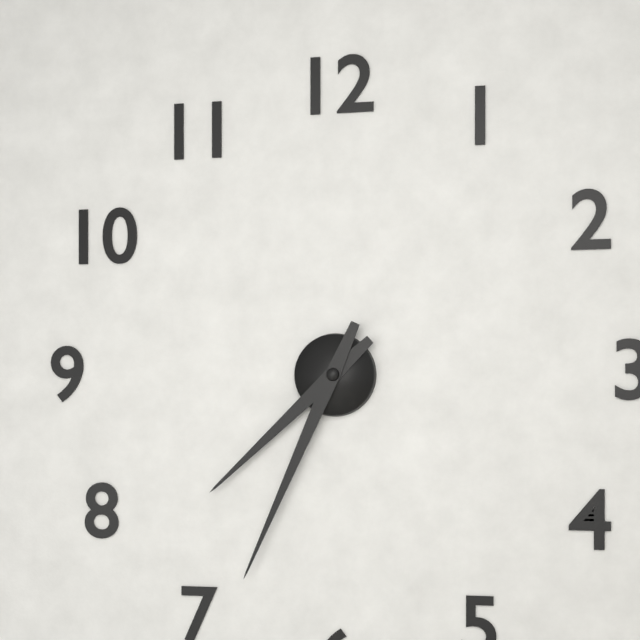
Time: {"hour": 7, "minute": 34}
